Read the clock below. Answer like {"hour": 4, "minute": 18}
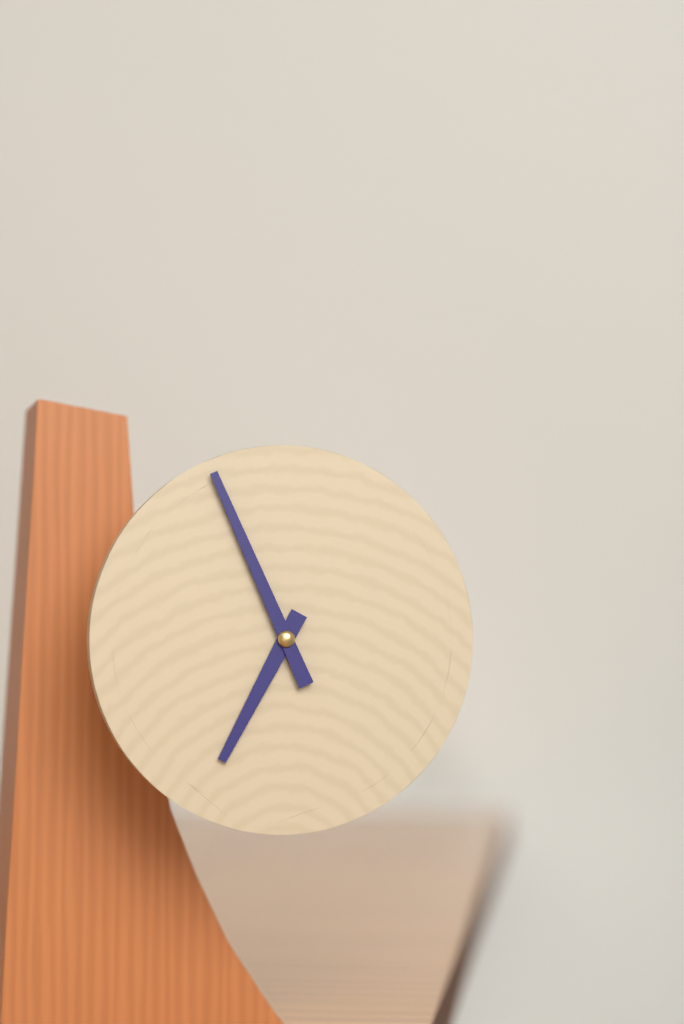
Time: {"hour": 6, "minute": 56}
